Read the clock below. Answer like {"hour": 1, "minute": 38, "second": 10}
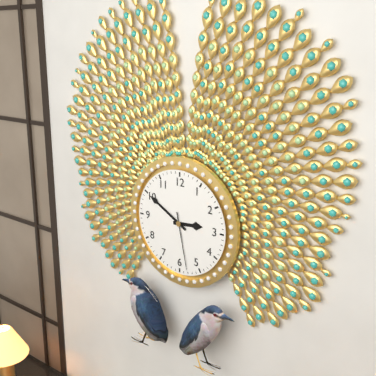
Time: {"hour": 2, "minute": 50, "second": 28}
